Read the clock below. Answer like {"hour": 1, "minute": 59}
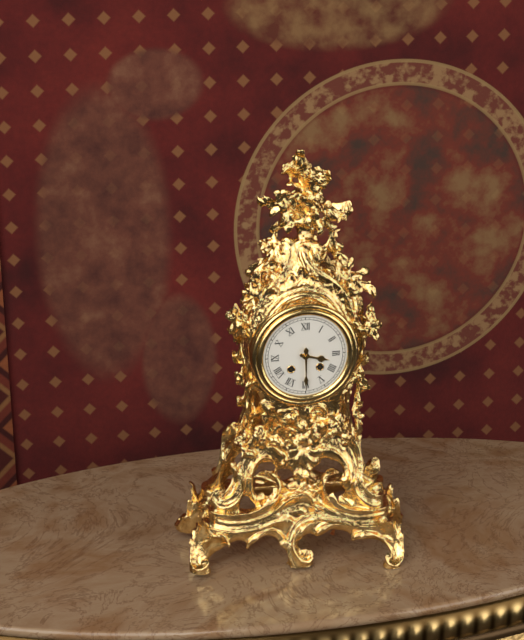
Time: {"hour": 3, "minute": 30}
